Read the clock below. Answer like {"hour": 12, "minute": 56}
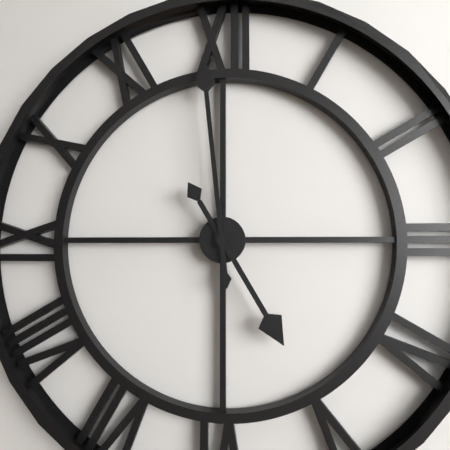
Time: {"hour": 4, "minute": 59}
